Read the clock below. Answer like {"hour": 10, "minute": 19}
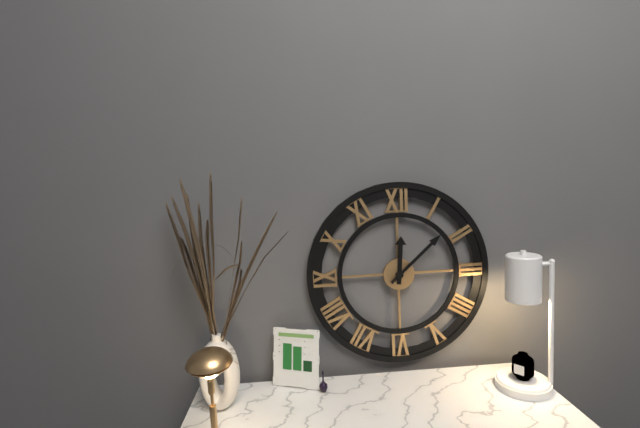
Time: {"hour": 12, "minute": 8}
